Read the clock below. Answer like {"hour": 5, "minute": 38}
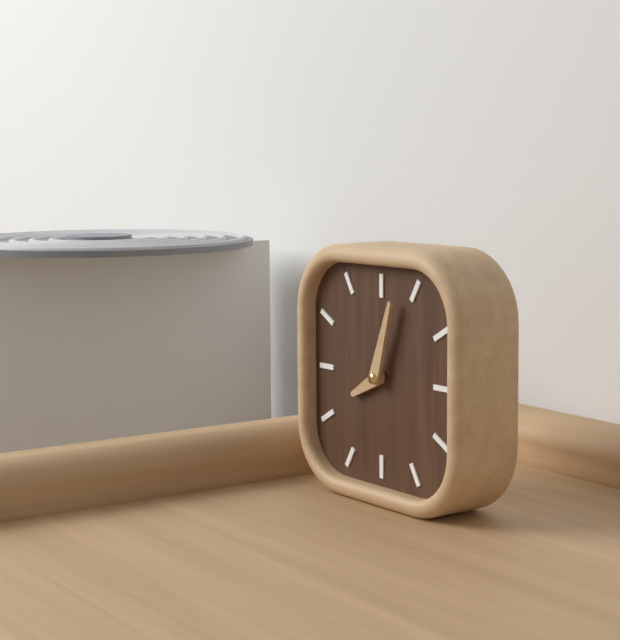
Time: {"hour": 8, "minute": 3}
